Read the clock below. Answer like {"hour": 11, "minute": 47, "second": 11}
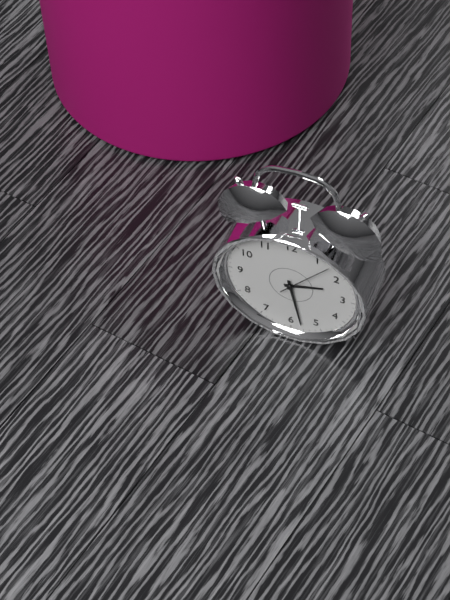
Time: {"hour": 2, "minute": 28, "second": 7}
